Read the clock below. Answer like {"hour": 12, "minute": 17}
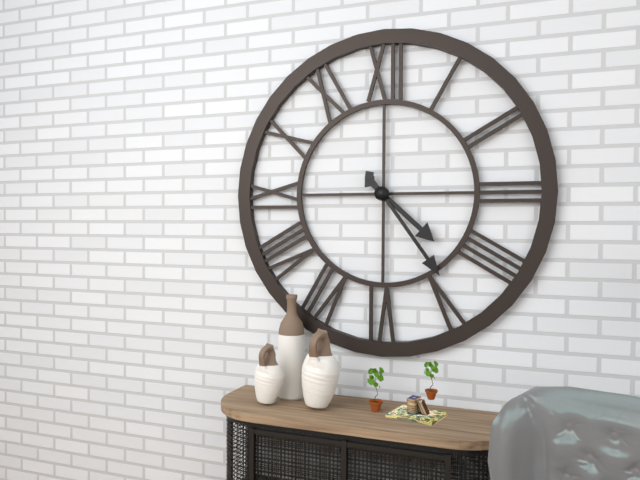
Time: {"hour": 4, "minute": 24}
